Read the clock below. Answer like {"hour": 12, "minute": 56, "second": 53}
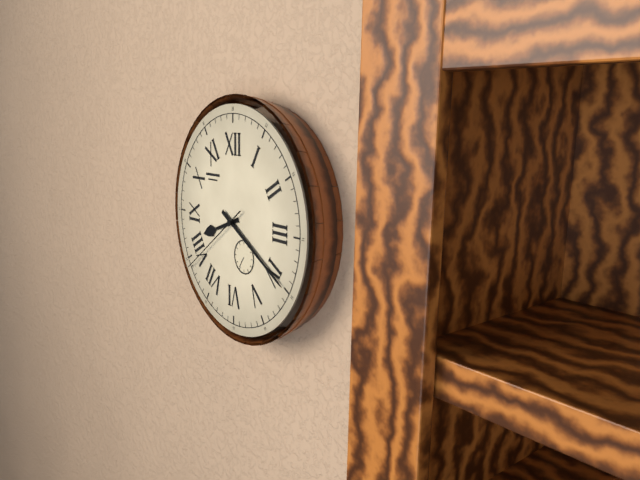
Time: {"hour": 8, "minute": 20, "second": 39}
